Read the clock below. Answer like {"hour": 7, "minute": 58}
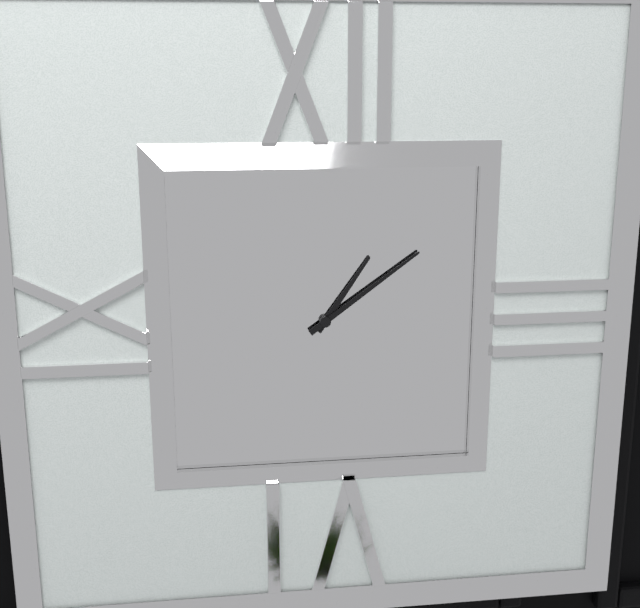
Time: {"hour": 1, "minute": 9}
